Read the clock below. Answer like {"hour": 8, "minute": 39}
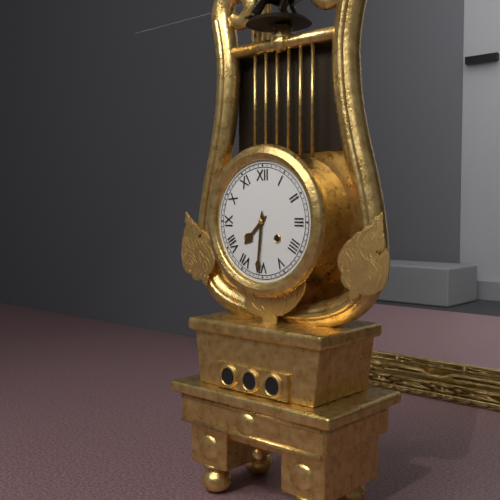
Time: {"hour": 7, "minute": 31}
